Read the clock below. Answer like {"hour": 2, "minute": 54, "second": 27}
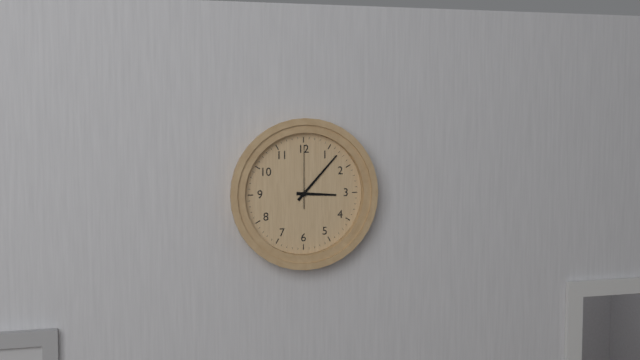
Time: {"hour": 3, "minute": 7, "second": 0}
